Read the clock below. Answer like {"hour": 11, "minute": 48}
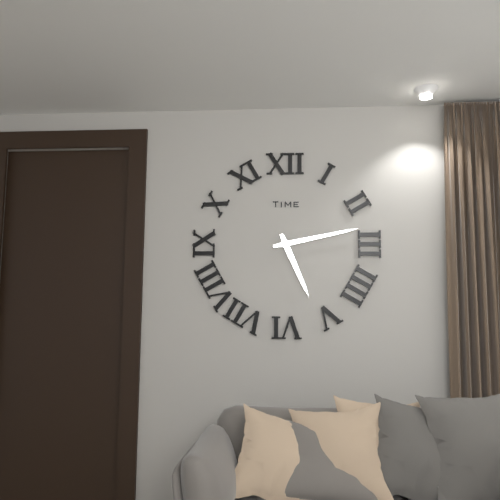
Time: {"hour": 5, "minute": 13}
